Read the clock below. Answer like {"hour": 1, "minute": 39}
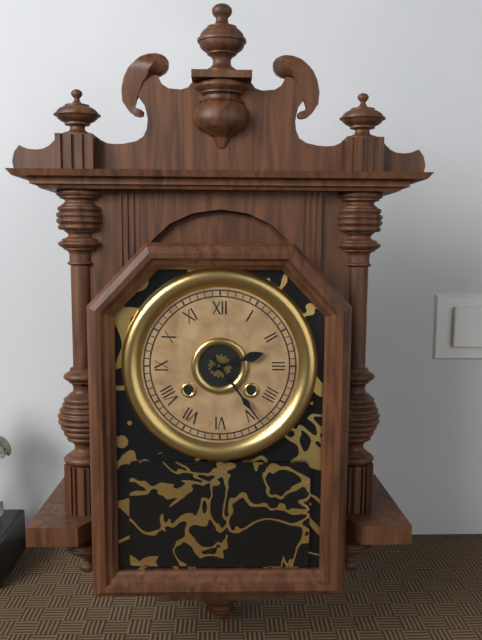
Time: {"hour": 2, "minute": 24}
